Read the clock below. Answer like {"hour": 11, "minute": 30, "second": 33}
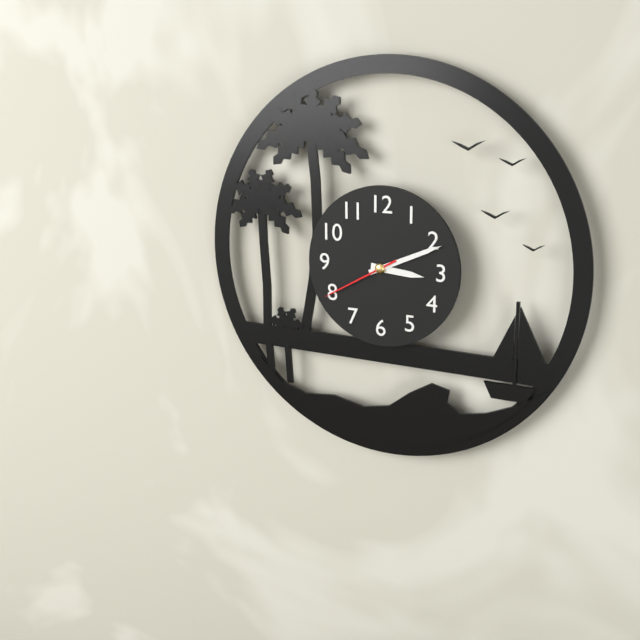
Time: {"hour": 3, "minute": 11, "second": 40}
